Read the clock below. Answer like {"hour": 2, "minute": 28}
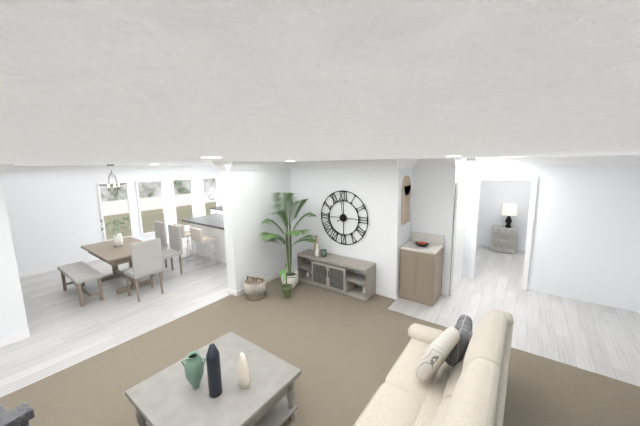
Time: {"hour": 7, "minute": 59}
